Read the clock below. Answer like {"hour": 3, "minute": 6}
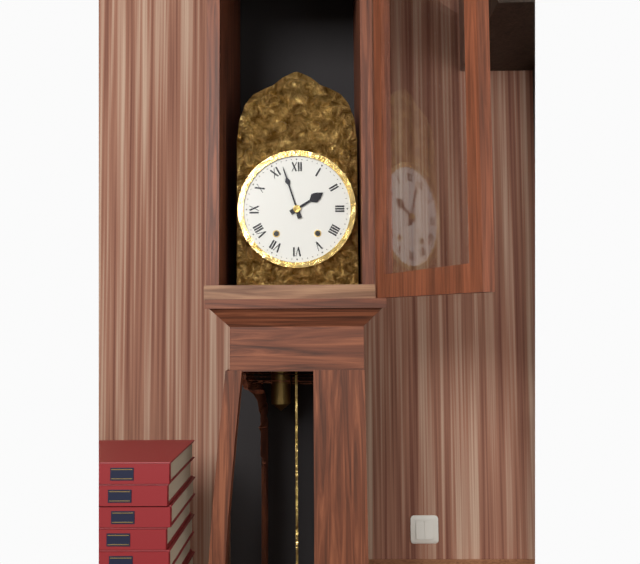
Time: {"hour": 1, "minute": 57}
